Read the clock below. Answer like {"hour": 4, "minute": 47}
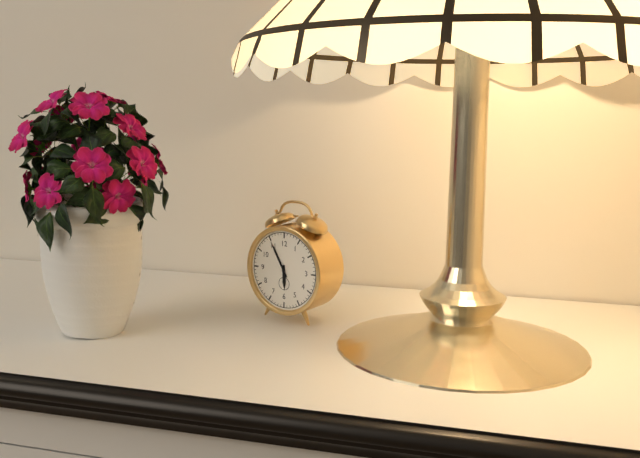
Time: {"hour": 5, "minute": 55}
